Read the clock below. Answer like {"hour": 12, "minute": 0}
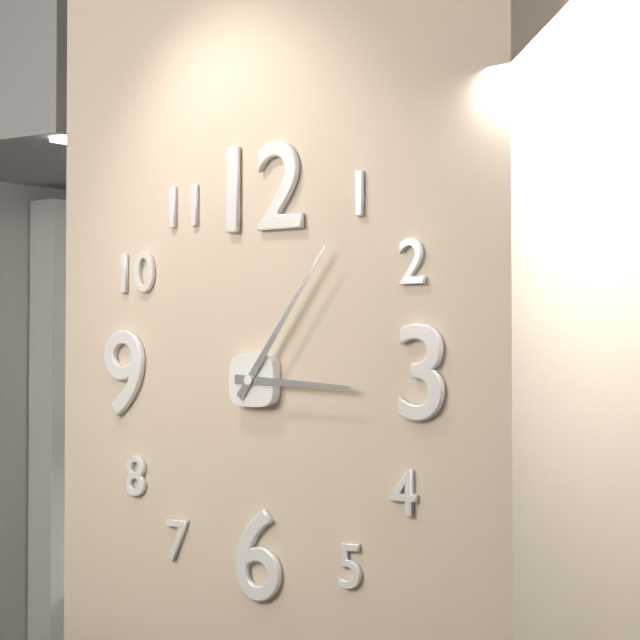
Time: {"hour": 3, "minute": 6}
